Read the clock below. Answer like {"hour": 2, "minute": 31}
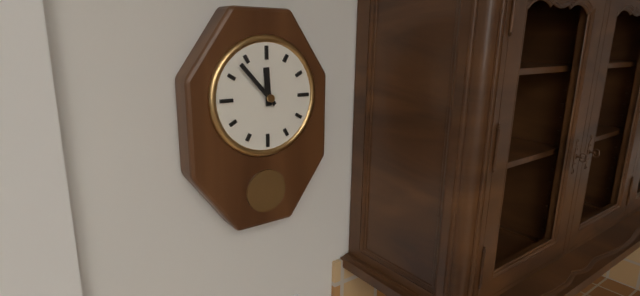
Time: {"hour": 11, "minute": 53}
